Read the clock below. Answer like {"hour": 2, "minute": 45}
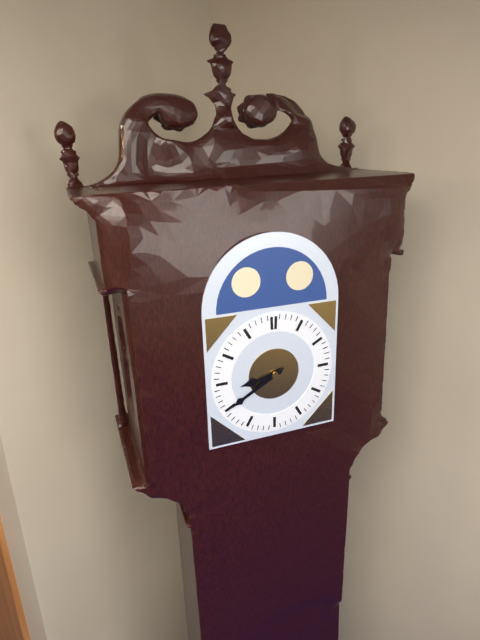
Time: {"hour": 8, "minute": 40}
